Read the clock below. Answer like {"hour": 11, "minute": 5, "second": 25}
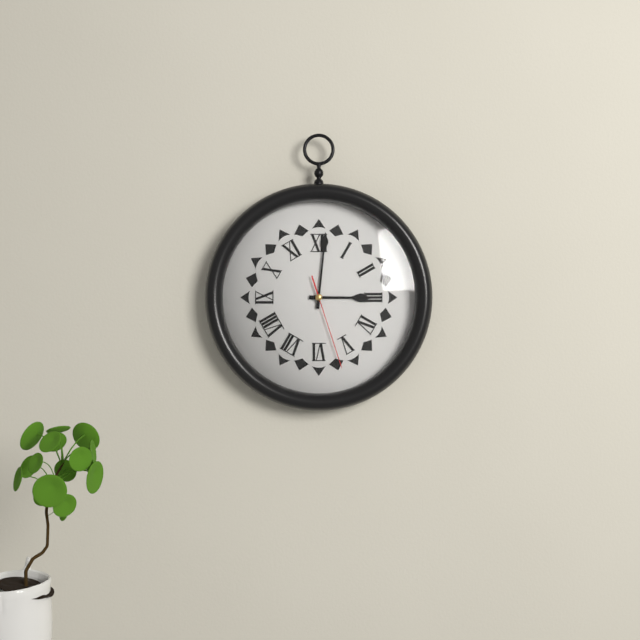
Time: {"hour": 3, "minute": 1, "second": 27}
